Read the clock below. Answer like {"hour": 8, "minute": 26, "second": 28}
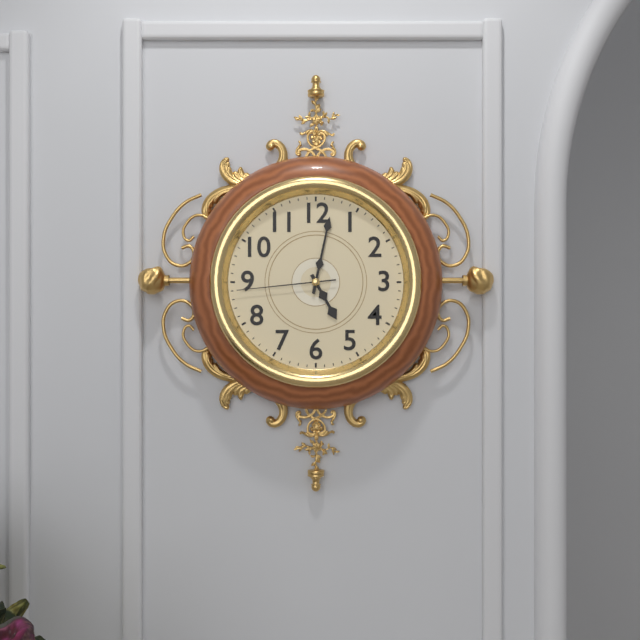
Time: {"hour": 5, "minute": 2, "second": 44}
